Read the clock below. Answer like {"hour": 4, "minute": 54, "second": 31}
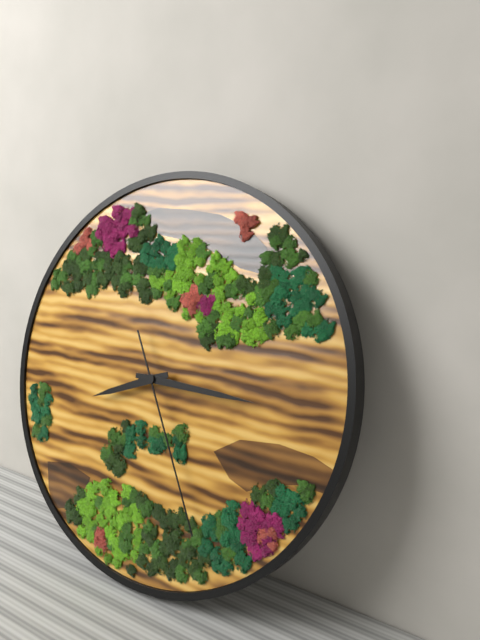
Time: {"hour": 8, "minute": 15, "second": 25}
